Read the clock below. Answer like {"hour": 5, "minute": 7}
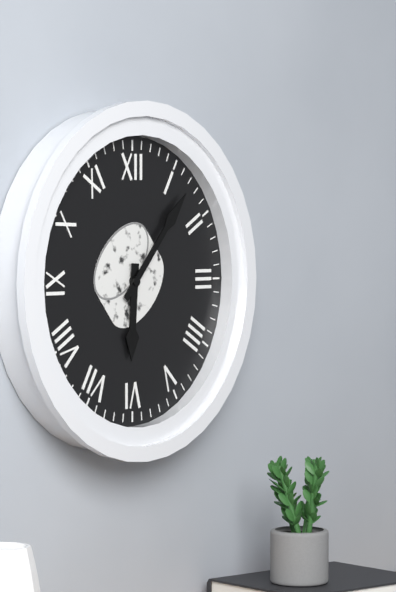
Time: {"hour": 6, "minute": 7}
